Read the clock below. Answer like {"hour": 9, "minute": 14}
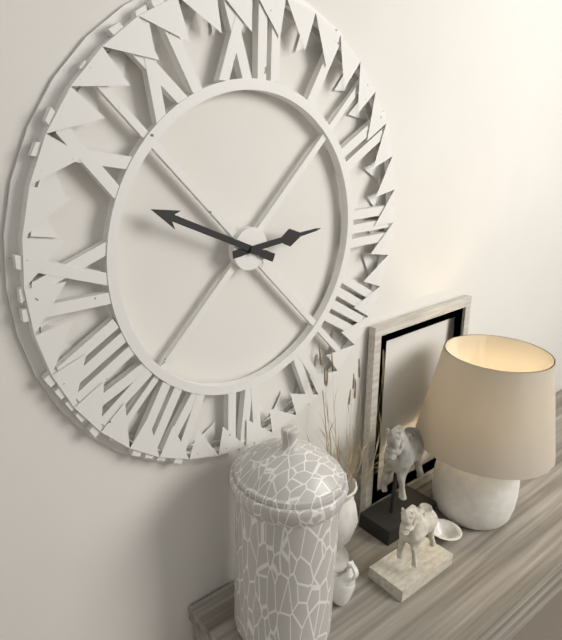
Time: {"hour": 2, "minute": 49}
